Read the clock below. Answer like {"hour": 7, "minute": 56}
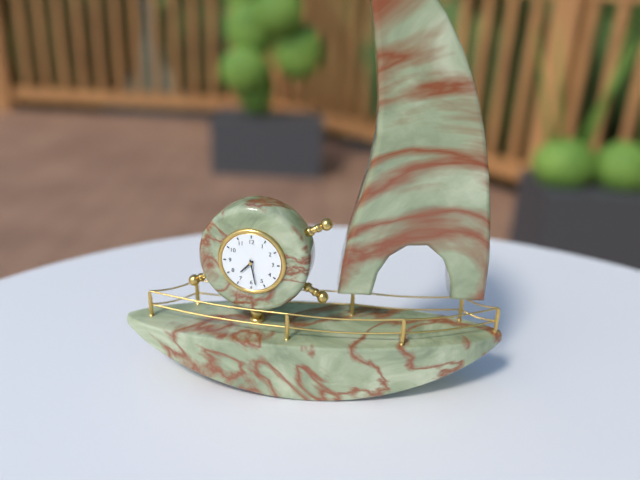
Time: {"hour": 7, "minute": 28}
